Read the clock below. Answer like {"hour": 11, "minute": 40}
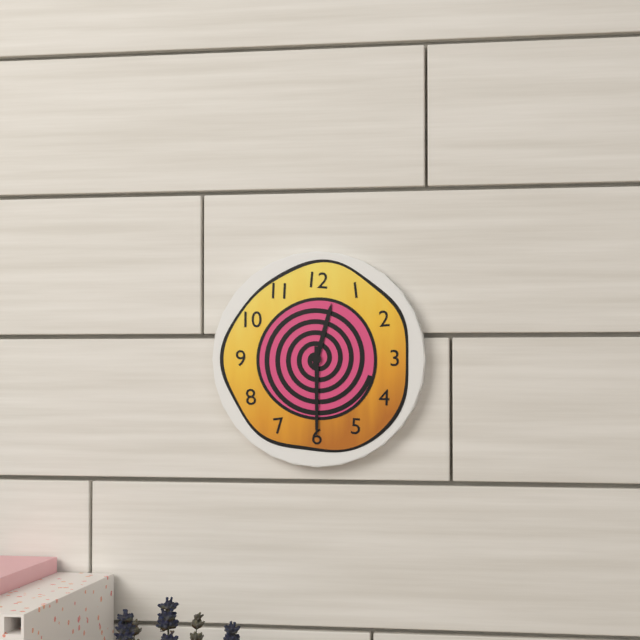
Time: {"hour": 12, "minute": 30}
